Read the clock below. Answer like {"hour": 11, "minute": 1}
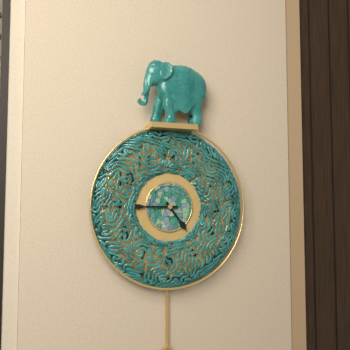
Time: {"hour": 4, "minute": 45}
